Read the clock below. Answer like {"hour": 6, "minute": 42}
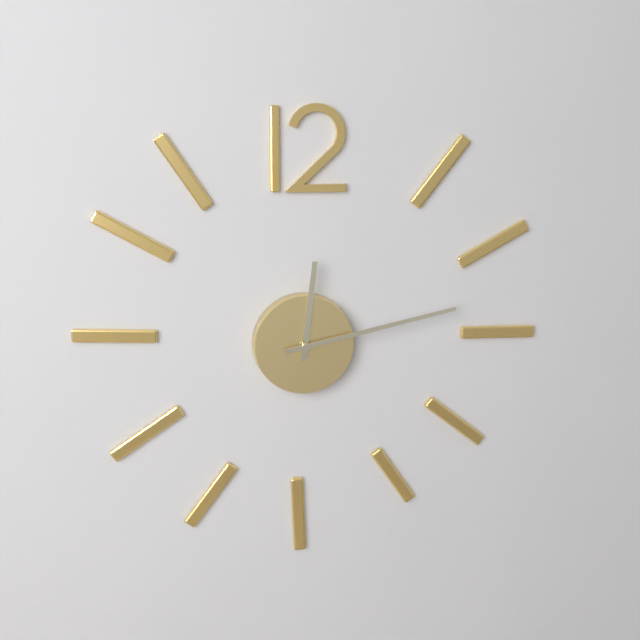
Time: {"hour": 12, "minute": 13}
